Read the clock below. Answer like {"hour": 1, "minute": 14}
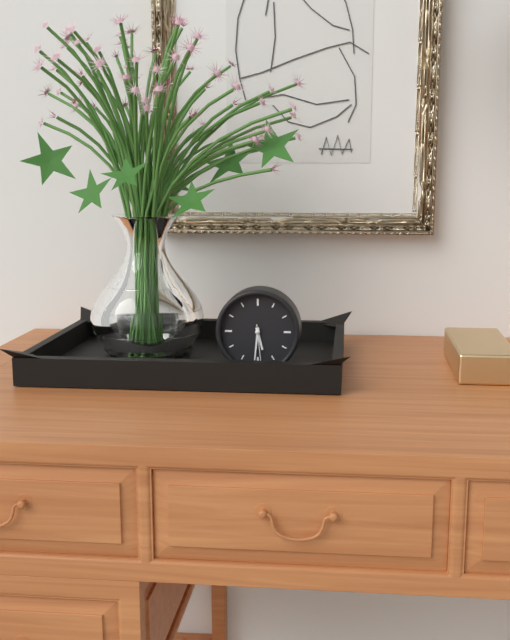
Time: {"hour": 5, "minute": 31}
